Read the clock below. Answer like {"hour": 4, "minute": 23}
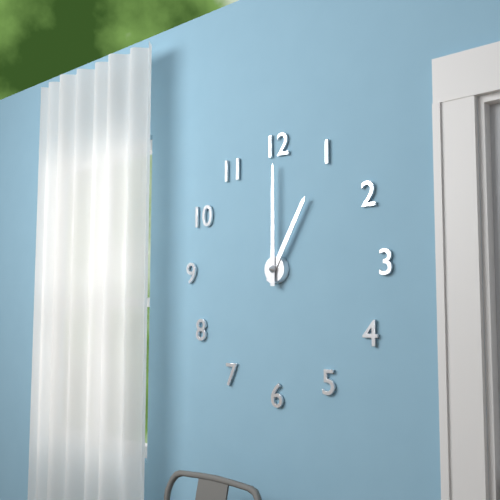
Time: {"hour": 1, "minute": 0}
